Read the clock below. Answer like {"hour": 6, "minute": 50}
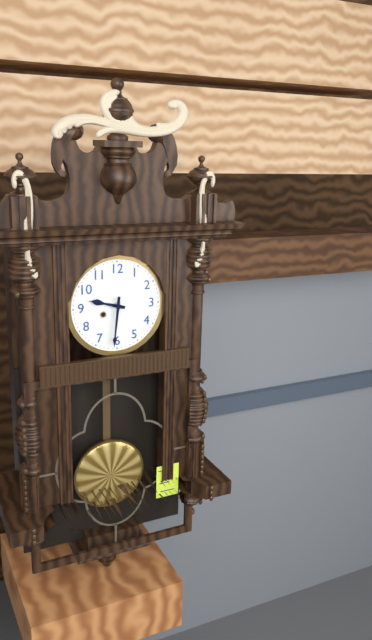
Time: {"hour": 9, "minute": 31}
